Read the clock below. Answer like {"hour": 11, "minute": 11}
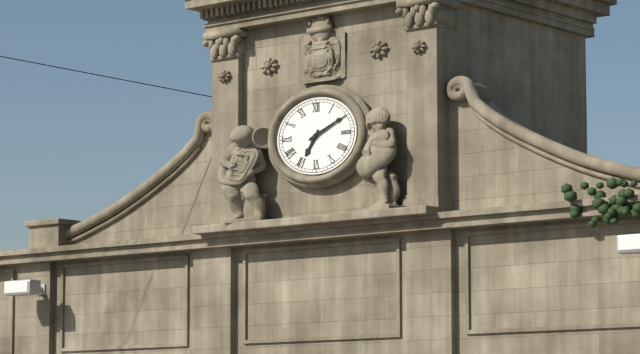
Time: {"hour": 7, "minute": 11}
